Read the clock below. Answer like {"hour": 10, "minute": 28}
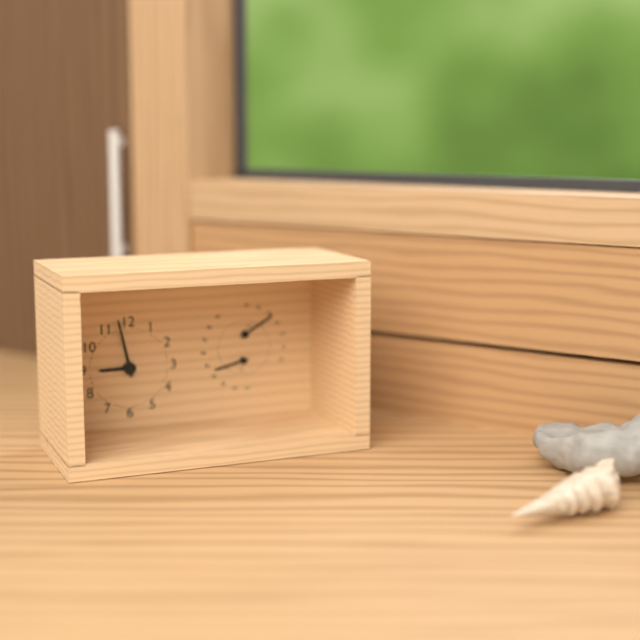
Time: {"hour": 8, "minute": 58}
